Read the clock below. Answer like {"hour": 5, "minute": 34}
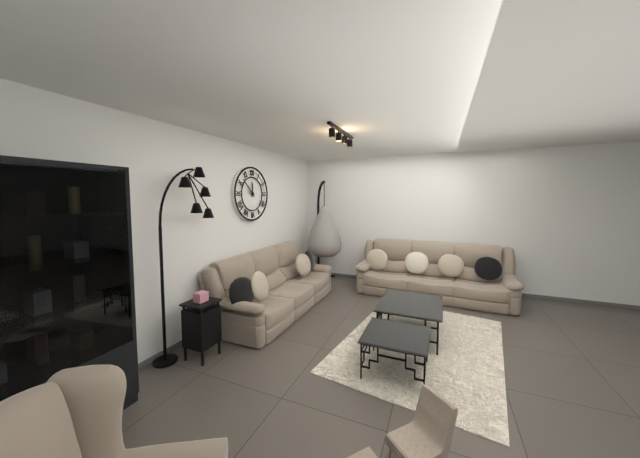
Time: {"hour": 11, "minute": 52}
